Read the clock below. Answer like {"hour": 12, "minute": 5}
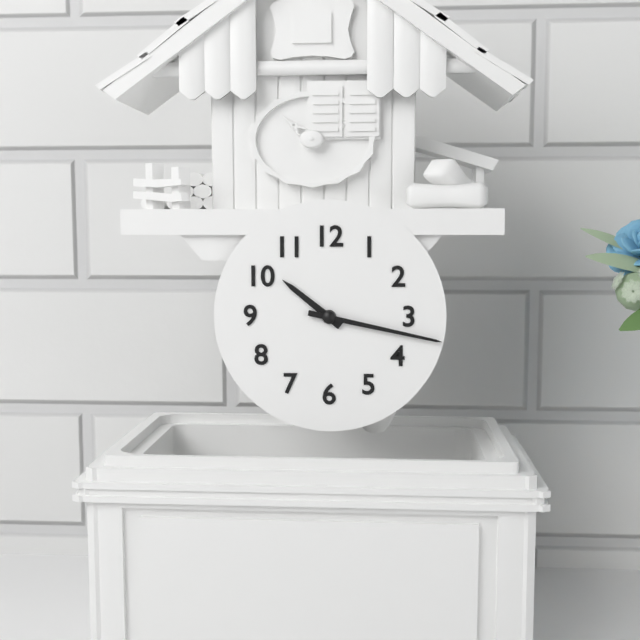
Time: {"hour": 10, "minute": 17}
